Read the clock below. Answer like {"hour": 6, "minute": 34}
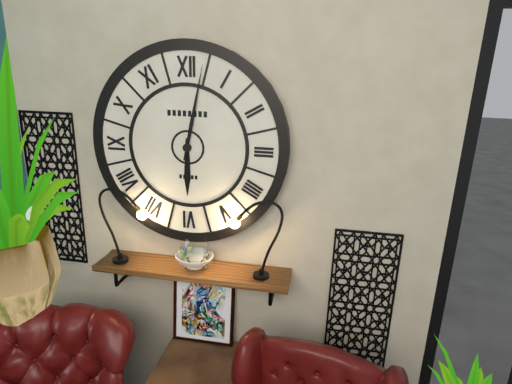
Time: {"hour": 6, "minute": 2}
